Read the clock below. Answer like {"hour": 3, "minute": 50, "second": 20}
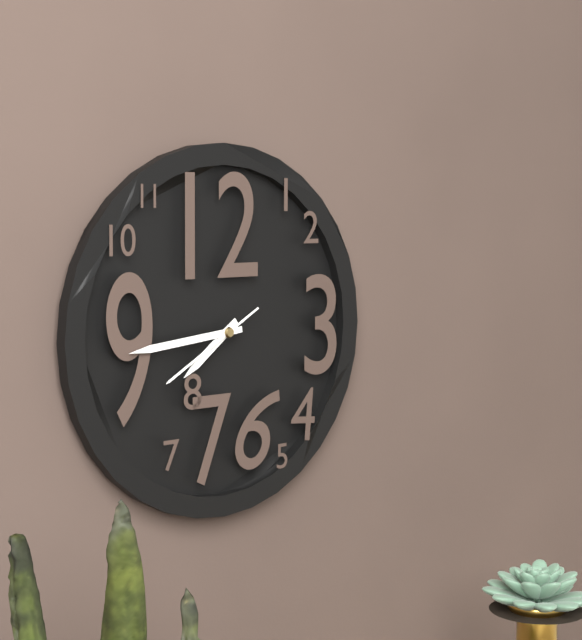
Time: {"hour": 7, "minute": 44, "second": 40}
